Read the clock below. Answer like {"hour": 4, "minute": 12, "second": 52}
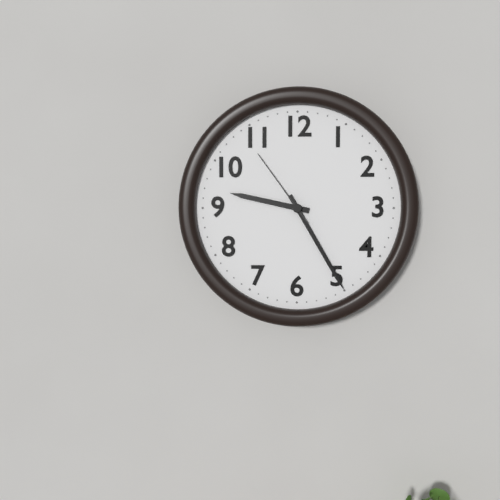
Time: {"hour": 9, "minute": 25, "second": 54}
